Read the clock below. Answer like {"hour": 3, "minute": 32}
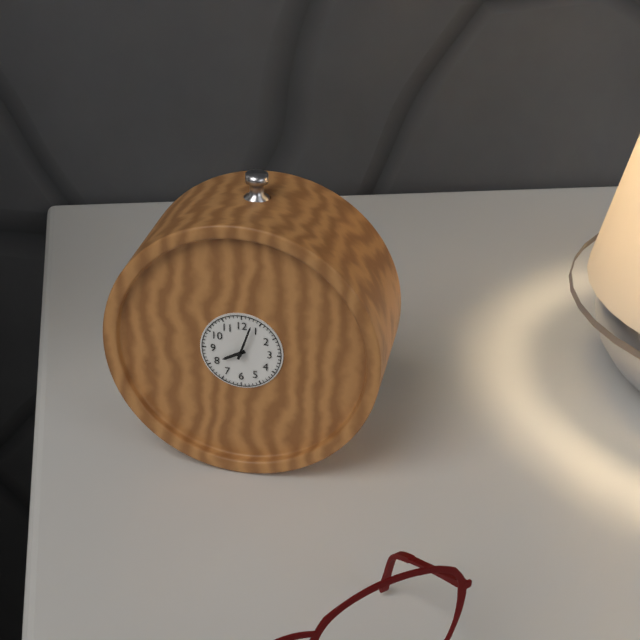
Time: {"hour": 8, "minute": 3}
